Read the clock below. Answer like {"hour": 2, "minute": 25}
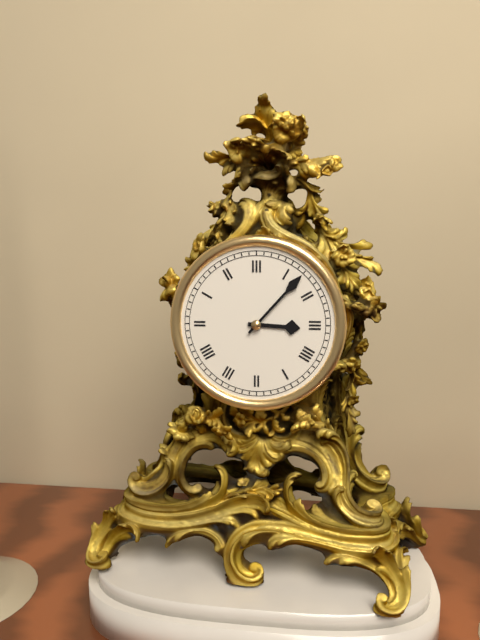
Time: {"hour": 3, "minute": 7}
